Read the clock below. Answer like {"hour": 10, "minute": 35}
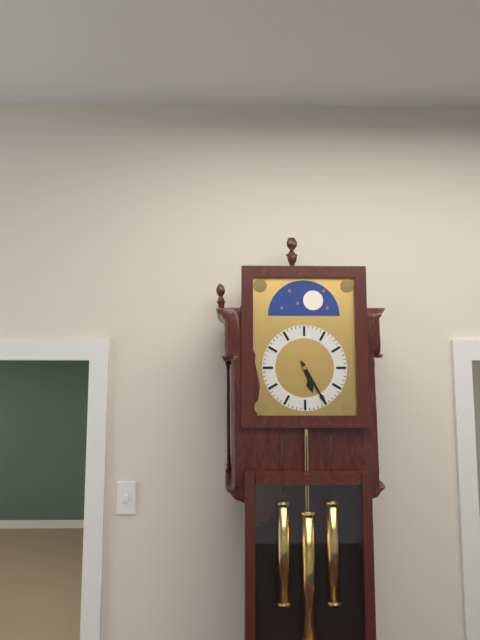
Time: {"hour": 5, "minute": 25}
